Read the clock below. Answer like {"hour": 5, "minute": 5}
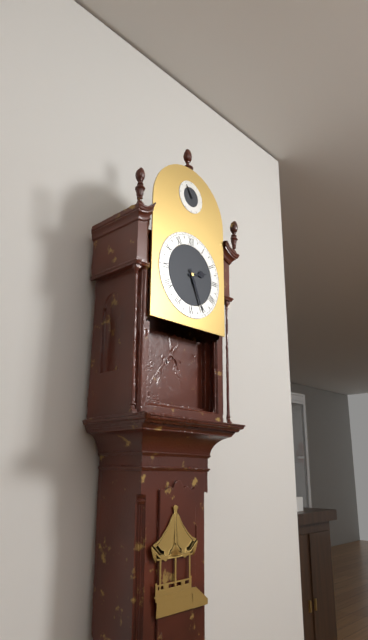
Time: {"hour": 2, "minute": 26}
